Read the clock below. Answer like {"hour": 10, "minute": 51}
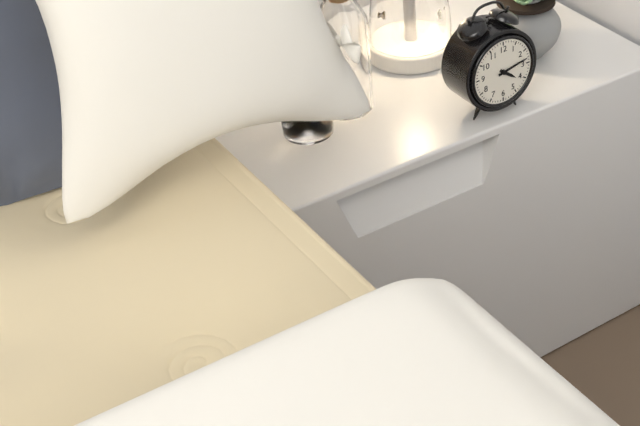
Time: {"hour": 4, "minute": 13}
